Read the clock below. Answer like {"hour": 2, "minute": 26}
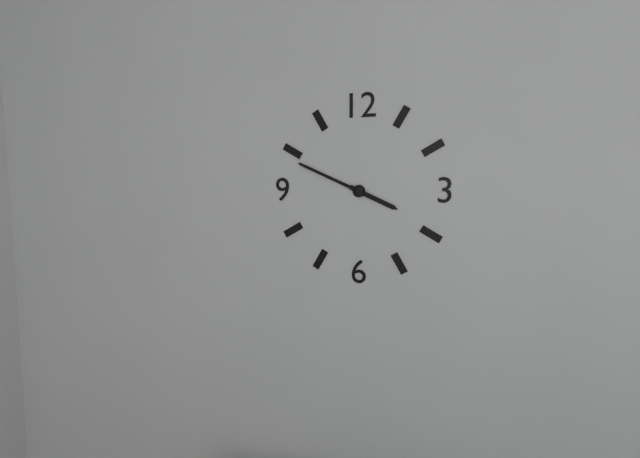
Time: {"hour": 3, "minute": 49}
